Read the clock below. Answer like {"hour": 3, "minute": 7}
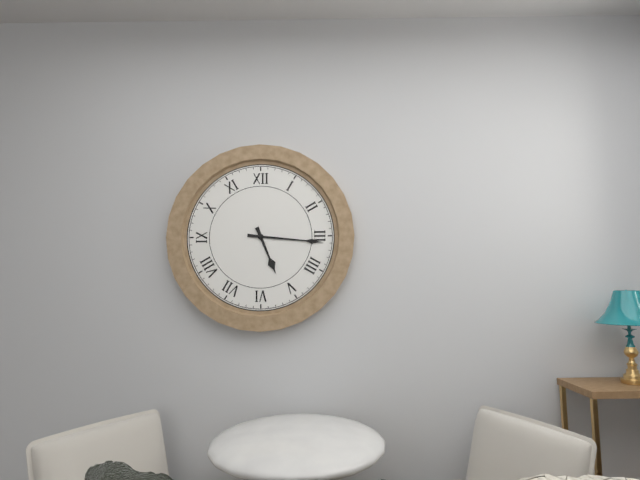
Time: {"hour": 5, "minute": 16}
